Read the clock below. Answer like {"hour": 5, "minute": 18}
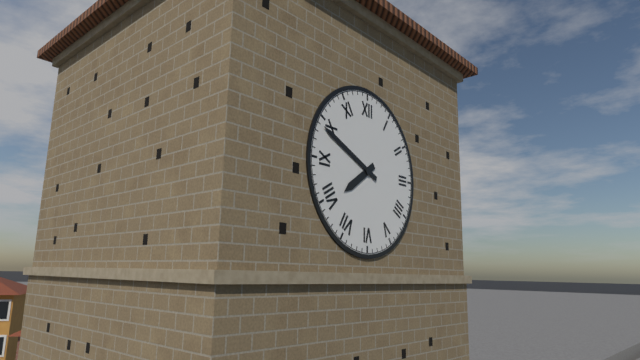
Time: {"hour": 7, "minute": 49}
